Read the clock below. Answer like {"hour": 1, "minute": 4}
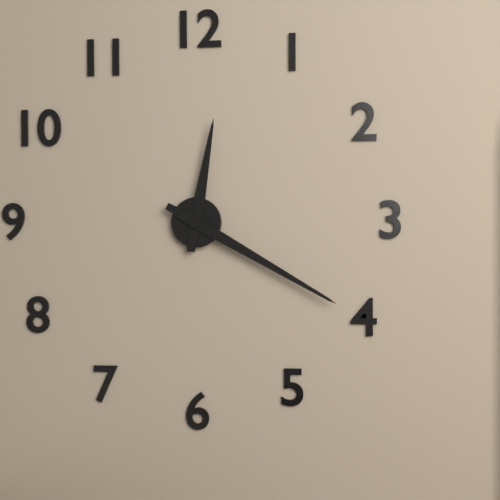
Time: {"hour": 12, "minute": 20}
